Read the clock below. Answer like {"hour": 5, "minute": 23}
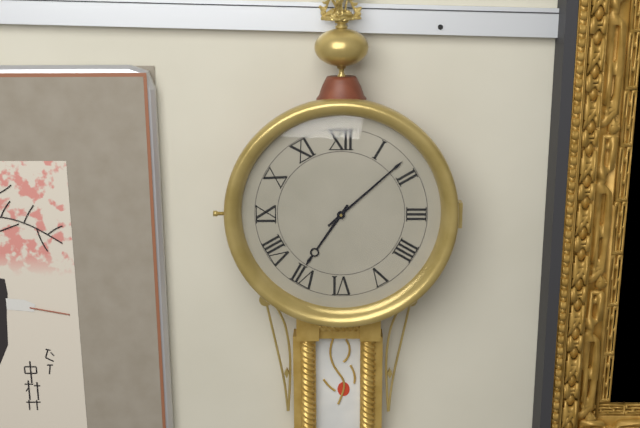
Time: {"hour": 7, "minute": 8}
